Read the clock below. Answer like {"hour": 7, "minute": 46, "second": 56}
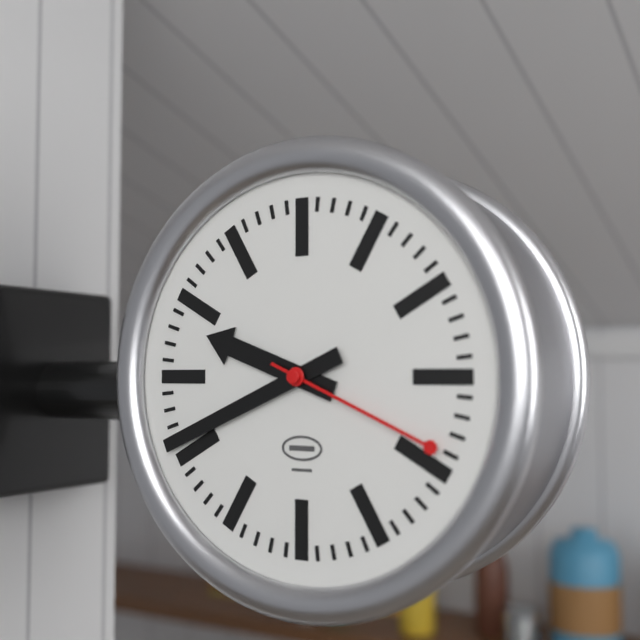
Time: {"hour": 9, "minute": 41, "second": 19}
